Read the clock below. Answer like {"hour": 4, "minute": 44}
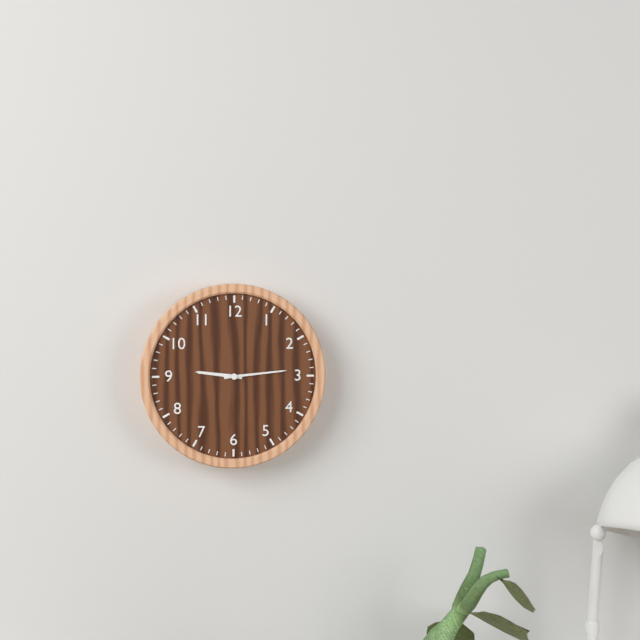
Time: {"hour": 9, "minute": 14}
